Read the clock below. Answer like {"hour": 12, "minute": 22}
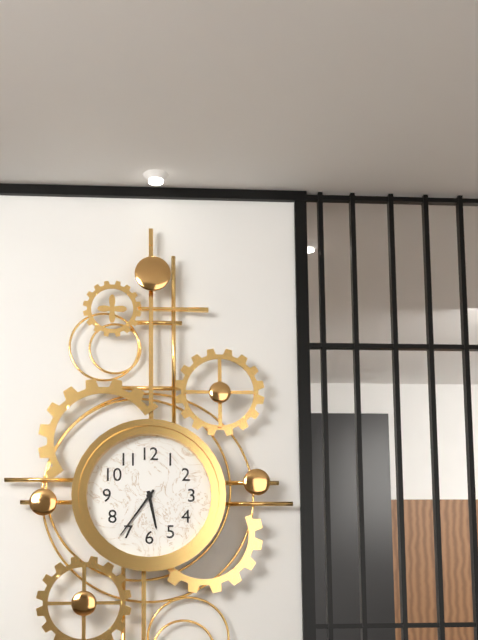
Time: {"hour": 5, "minute": 36}
